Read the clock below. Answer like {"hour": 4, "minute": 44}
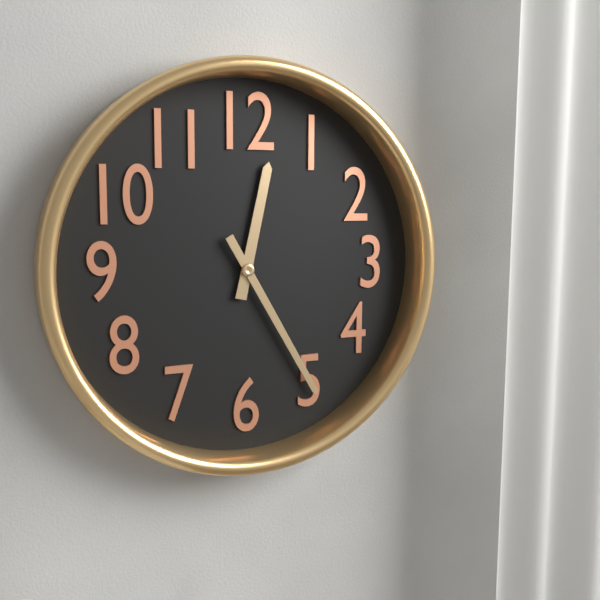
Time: {"hour": 12, "minute": 25}
